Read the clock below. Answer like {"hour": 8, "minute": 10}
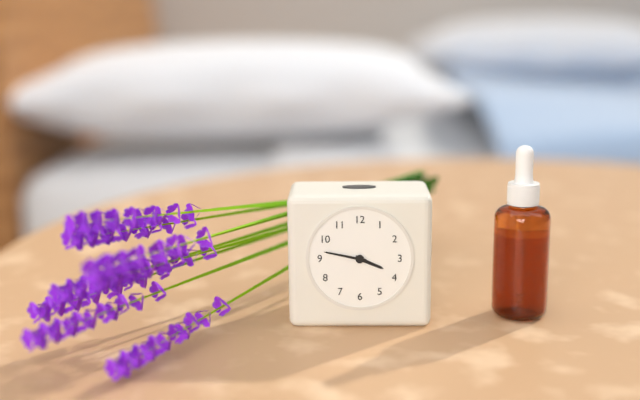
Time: {"hour": 3, "minute": 47}
